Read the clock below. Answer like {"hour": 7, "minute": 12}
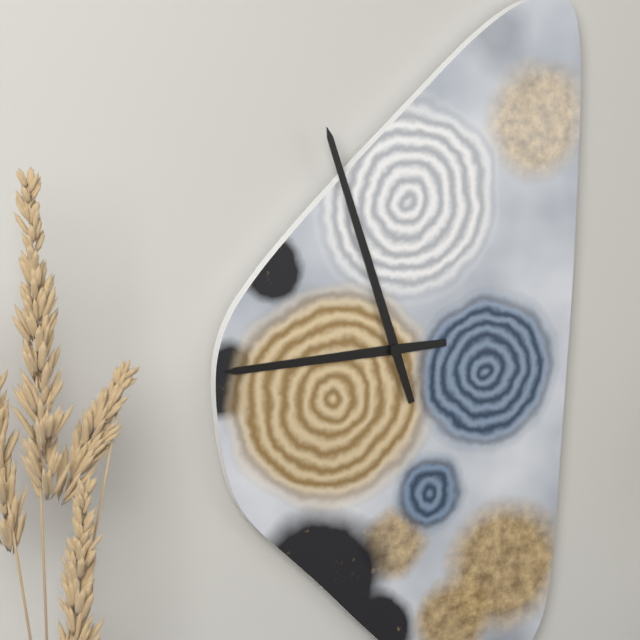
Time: {"hour": 8, "minute": 57}
